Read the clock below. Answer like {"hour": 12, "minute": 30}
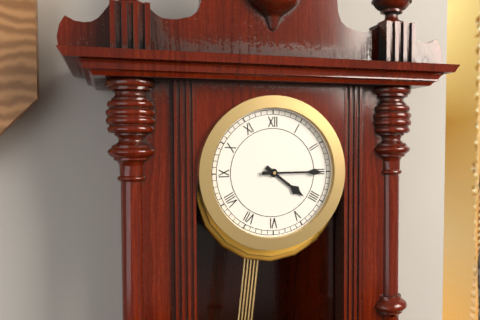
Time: {"hour": 4, "minute": 15}
